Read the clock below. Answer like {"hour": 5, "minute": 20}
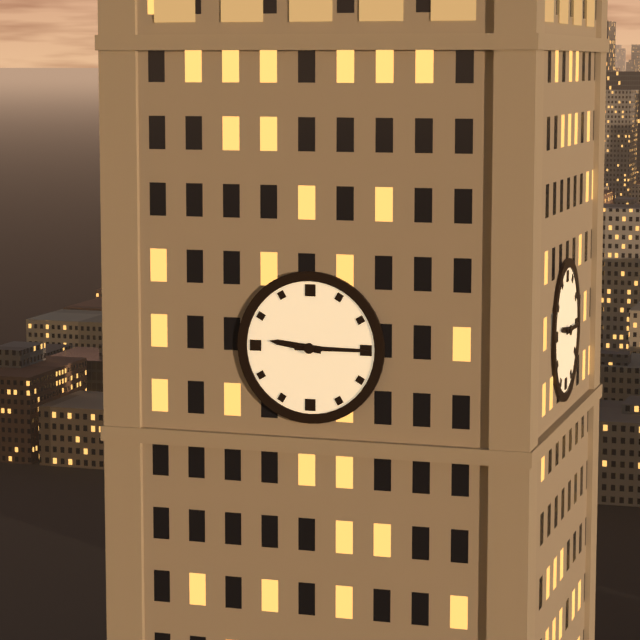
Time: {"hour": 9, "minute": 15}
